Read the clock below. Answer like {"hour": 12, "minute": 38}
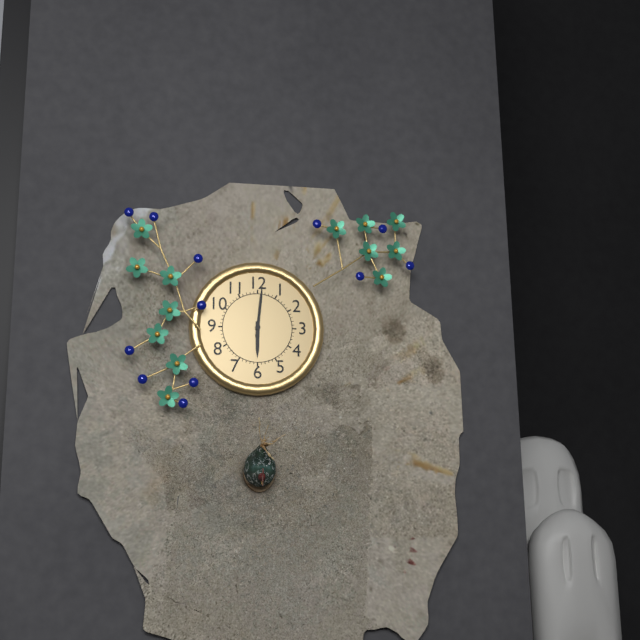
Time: {"hour": 6, "minute": 1}
